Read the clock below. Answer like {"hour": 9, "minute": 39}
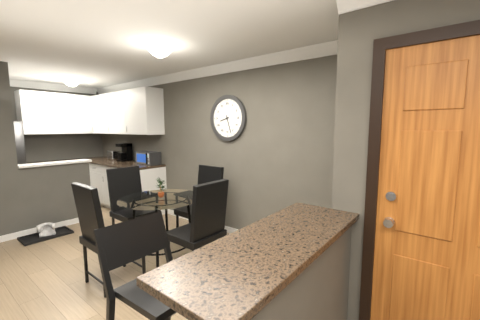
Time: {"hour": 8, "minute": 27}
